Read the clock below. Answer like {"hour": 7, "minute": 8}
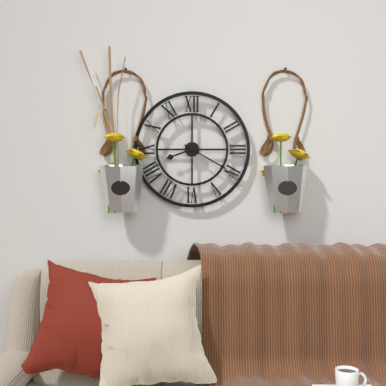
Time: {"hour": 8, "minute": 20}
